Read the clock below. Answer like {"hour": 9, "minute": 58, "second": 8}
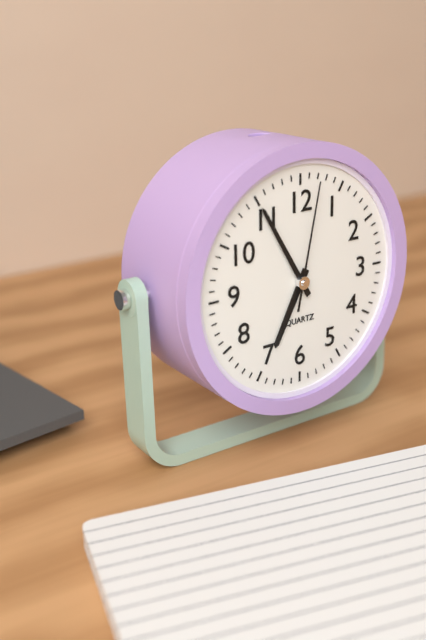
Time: {"hour": 6, "minute": 55, "second": 2}
